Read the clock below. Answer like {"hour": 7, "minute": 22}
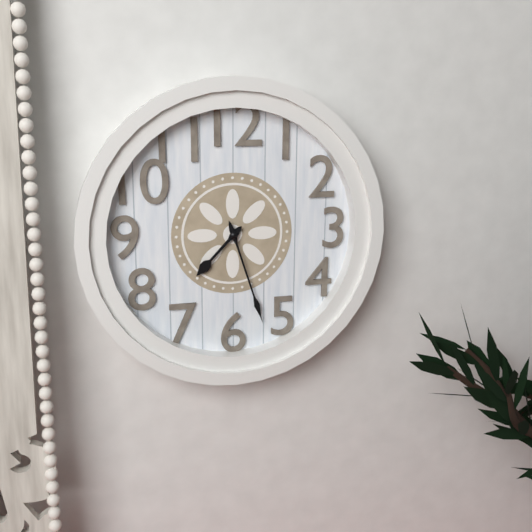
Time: {"hour": 7, "minute": 27}
